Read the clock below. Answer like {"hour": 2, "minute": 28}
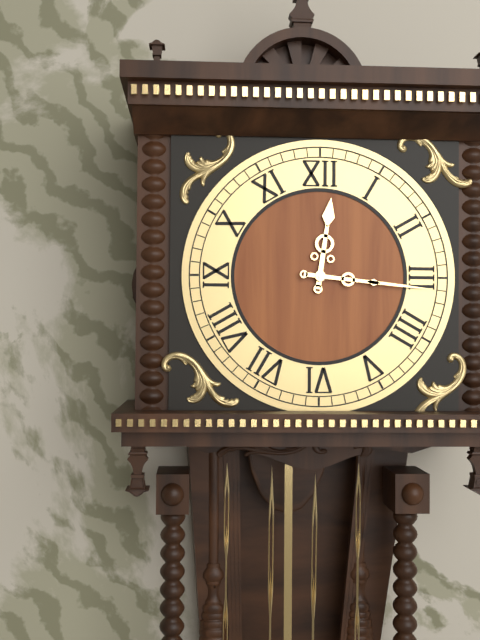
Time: {"hour": 12, "minute": 16}
